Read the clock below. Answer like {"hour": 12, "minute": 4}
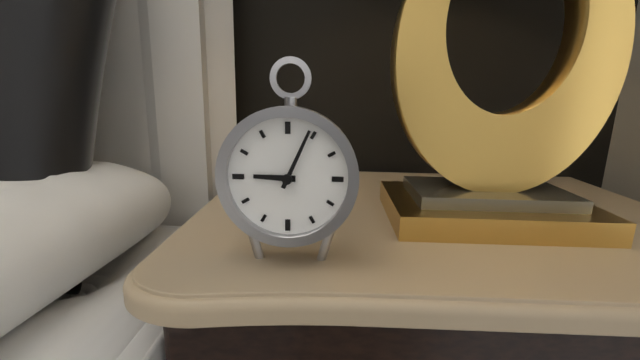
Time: {"hour": 9, "minute": 4}
